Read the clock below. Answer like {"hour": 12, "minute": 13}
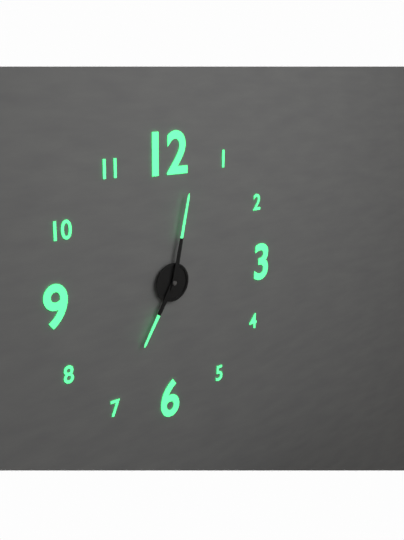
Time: {"hour": 7, "minute": 2}
